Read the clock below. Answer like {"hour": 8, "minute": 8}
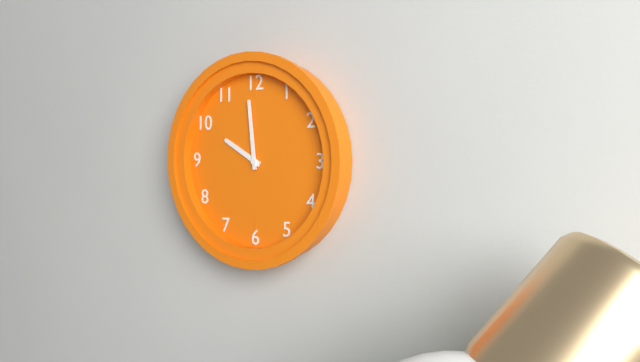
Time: {"hour": 9, "minute": 59}
